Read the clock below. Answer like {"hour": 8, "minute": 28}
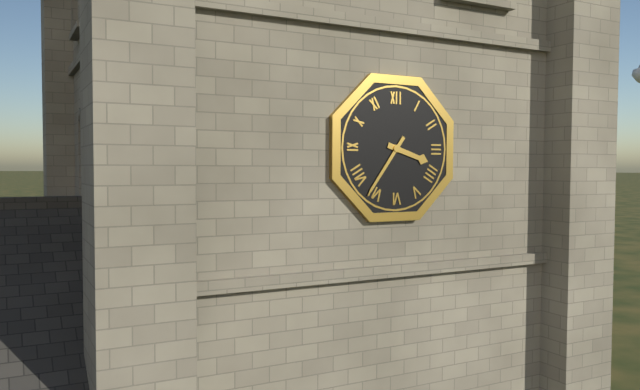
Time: {"hour": 3, "minute": 36}
